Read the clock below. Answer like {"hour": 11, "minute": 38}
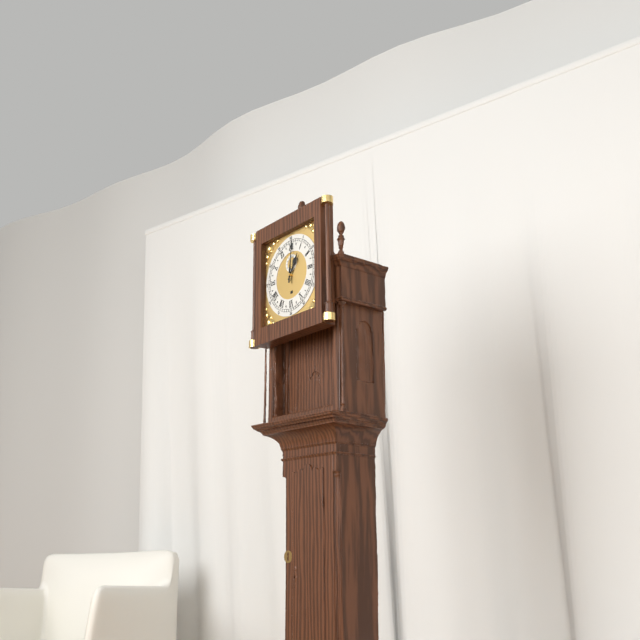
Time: {"hour": 1, "minute": 1}
